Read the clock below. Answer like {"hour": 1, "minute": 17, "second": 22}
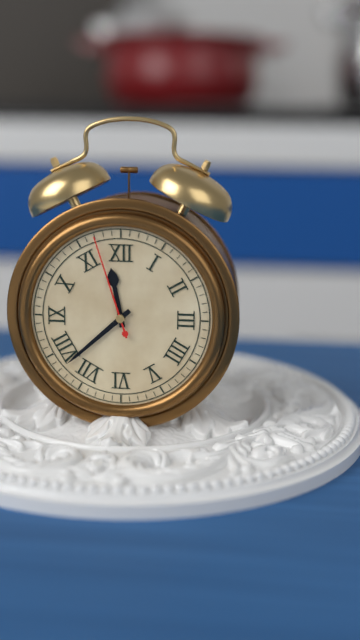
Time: {"hour": 11, "minute": 38, "second": 57}
